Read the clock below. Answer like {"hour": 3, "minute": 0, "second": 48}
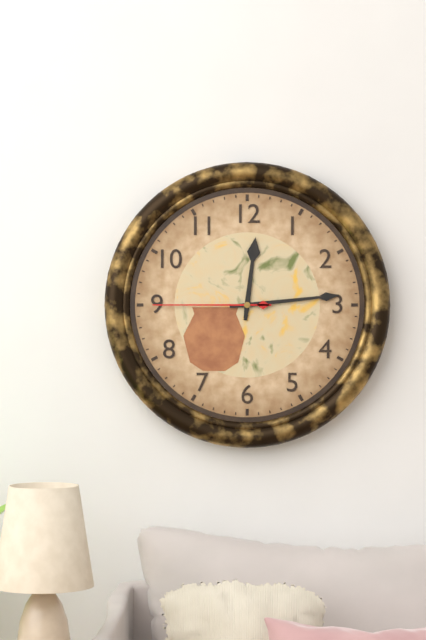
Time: {"hour": 12, "minute": 14, "second": 45}
